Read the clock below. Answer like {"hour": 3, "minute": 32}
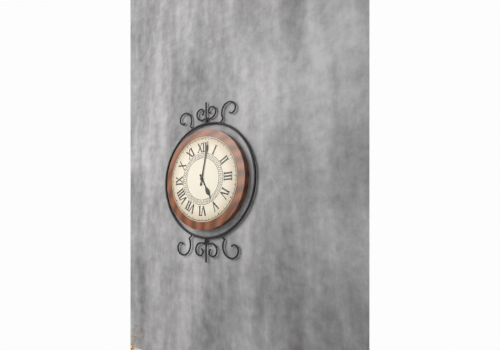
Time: {"hour": 5, "minute": 2}
